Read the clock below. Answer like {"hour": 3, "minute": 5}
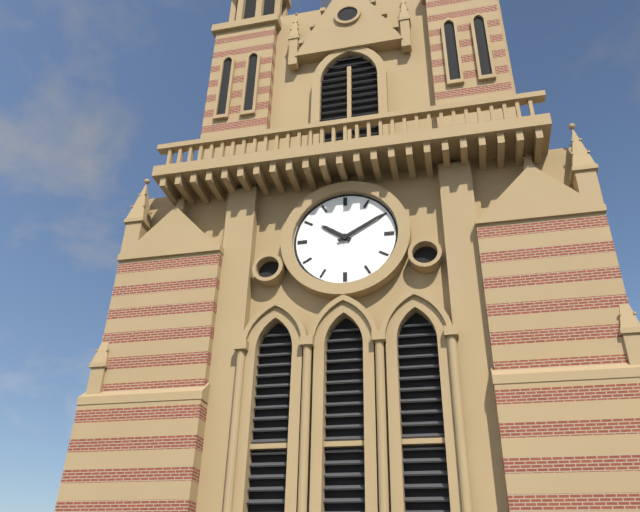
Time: {"hour": 10, "minute": 10}
